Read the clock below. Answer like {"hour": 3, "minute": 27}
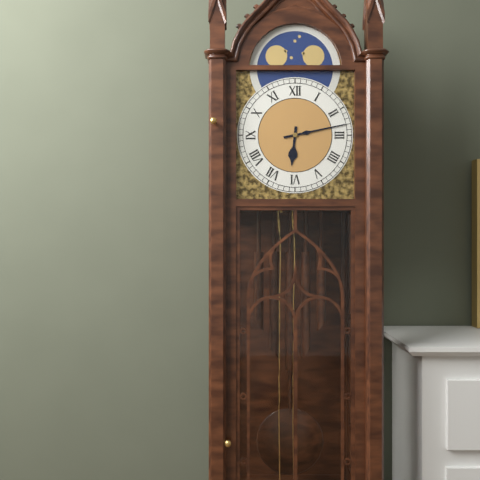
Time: {"hour": 6, "minute": 13}
